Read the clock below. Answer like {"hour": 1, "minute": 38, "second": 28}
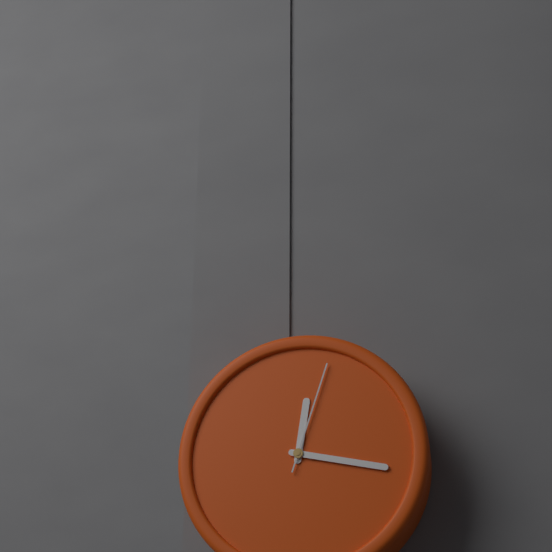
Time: {"hour": 12, "minute": 17, "second": 3}
